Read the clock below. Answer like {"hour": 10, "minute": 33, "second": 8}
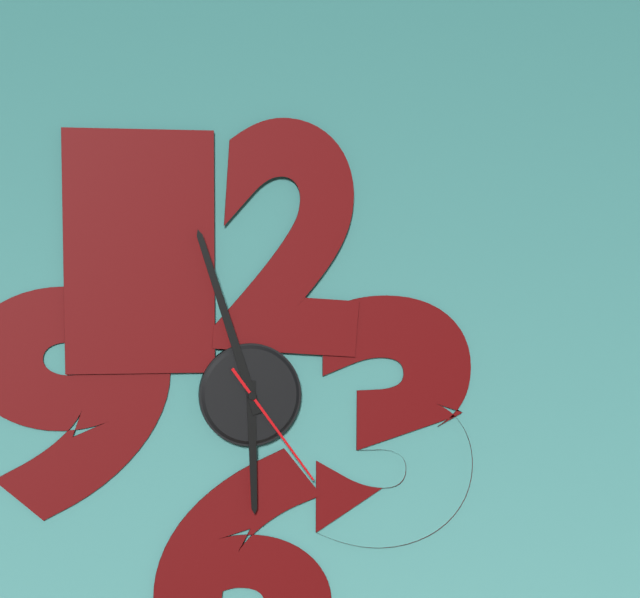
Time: {"hour": 5, "minute": 57, "second": 24}
